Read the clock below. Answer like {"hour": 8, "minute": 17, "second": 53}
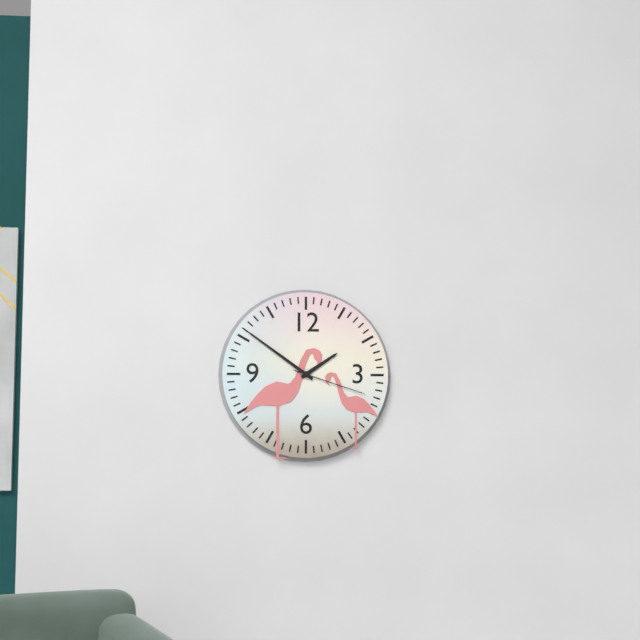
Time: {"hour": 1, "minute": 51, "second": 18}
